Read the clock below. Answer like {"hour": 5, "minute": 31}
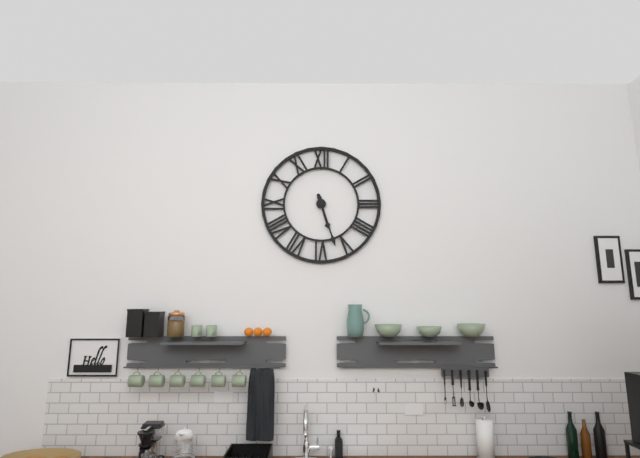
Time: {"hour": 5, "minute": 27}
